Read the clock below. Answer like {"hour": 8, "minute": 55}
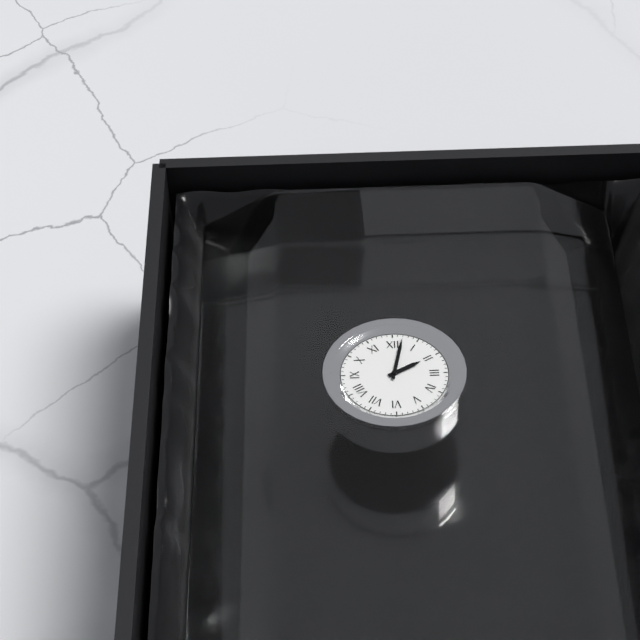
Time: {"hour": 2, "minute": 2}
